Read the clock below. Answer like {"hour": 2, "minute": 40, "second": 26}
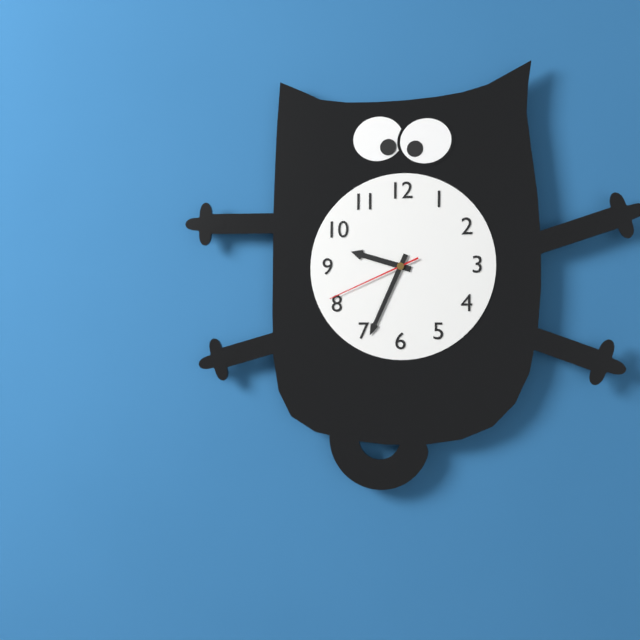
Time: {"hour": 9, "minute": 34, "second": 41}
